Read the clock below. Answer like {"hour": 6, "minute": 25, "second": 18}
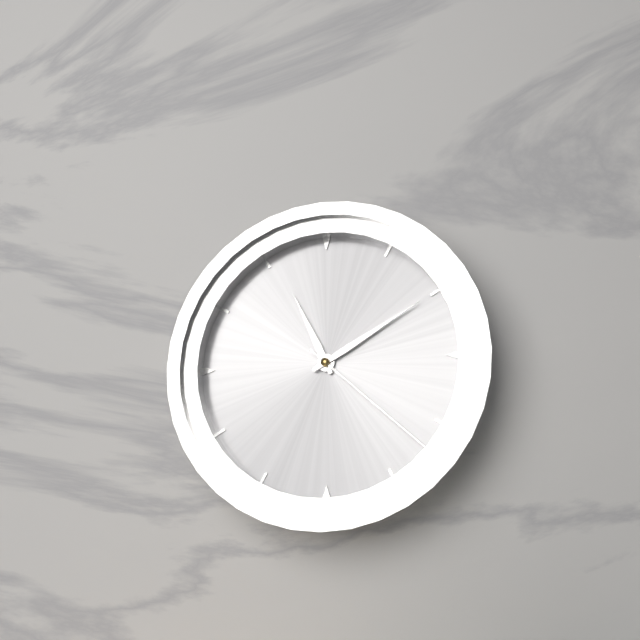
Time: {"hour": 11, "minute": 10, "second": 22}
